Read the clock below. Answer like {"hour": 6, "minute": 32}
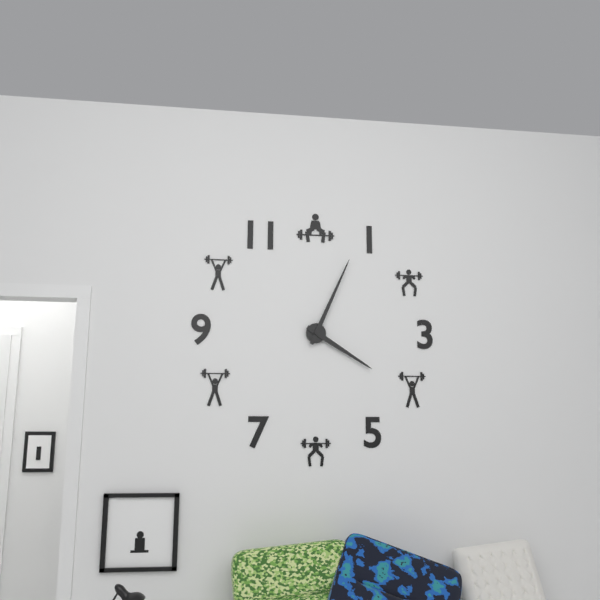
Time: {"hour": 4, "minute": 4}
